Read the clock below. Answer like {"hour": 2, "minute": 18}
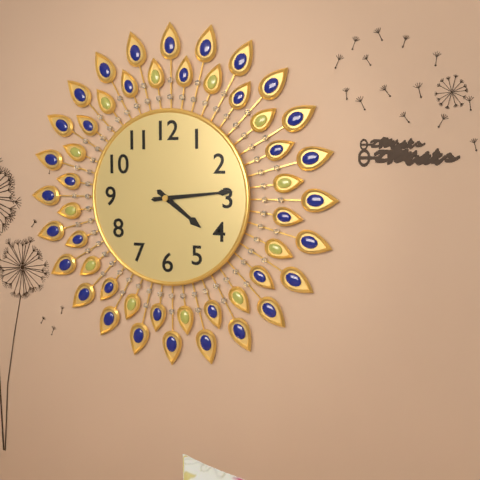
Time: {"hour": 4, "minute": 14}
